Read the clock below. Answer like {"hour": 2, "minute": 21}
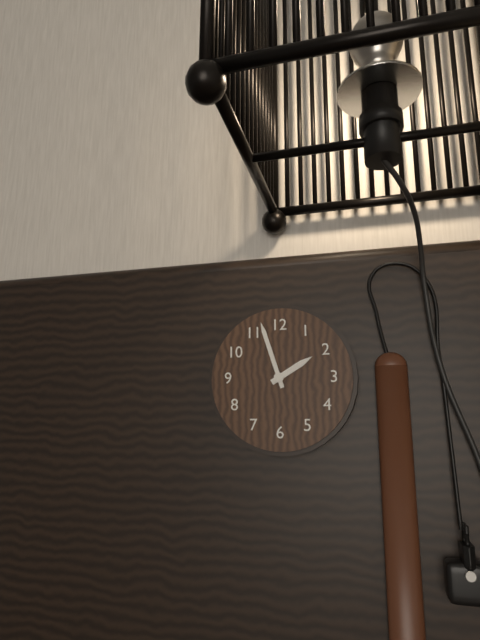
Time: {"hour": 1, "minute": 57}
